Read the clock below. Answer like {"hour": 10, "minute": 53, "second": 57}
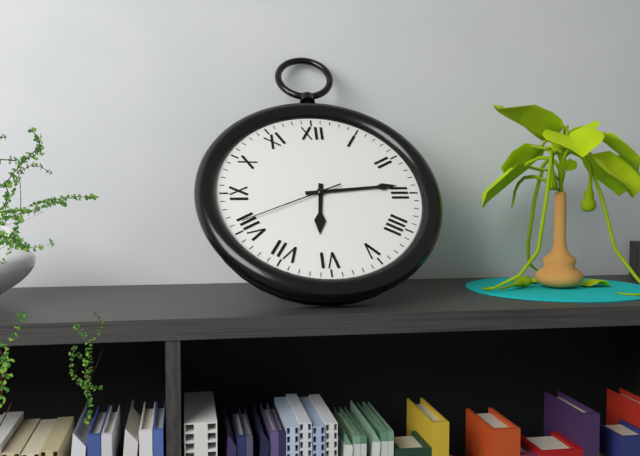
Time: {"hour": 6, "minute": 14, "second": 41}
